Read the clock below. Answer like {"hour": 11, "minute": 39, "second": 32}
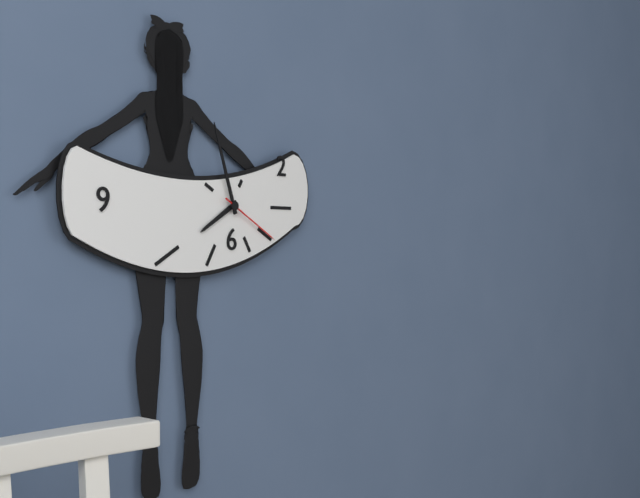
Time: {"hour": 7, "minute": 57, "second": 20}
